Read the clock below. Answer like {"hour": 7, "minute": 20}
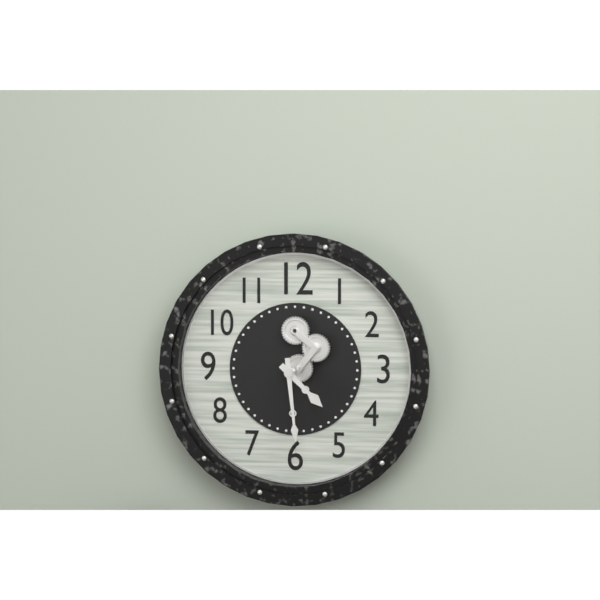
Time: {"hour": 4, "minute": 29}
